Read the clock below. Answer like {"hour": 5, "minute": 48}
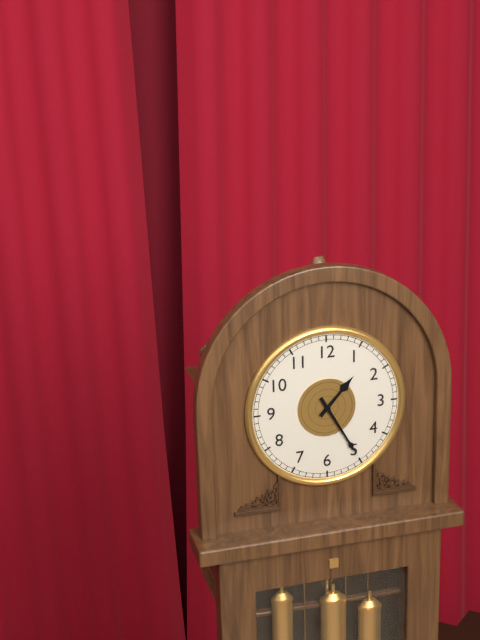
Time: {"hour": 1, "minute": 25}
